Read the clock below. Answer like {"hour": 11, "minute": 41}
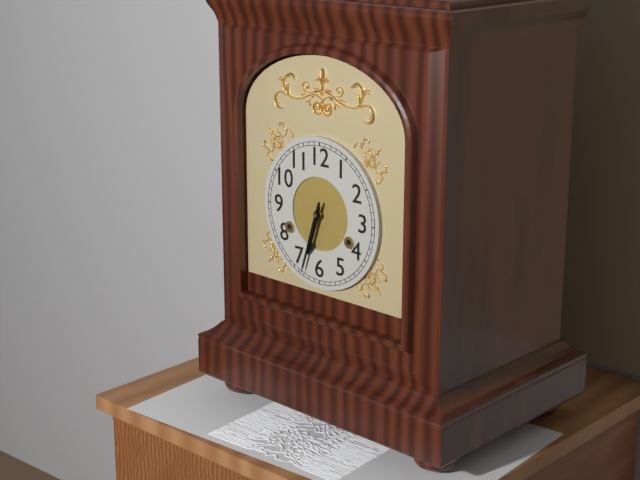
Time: {"hour": 6, "minute": 33}
